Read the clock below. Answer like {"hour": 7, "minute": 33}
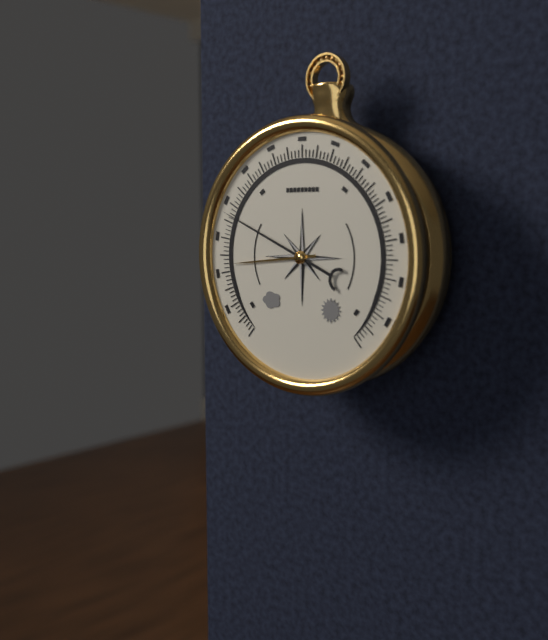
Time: {"hour": 8, "minute": 49}
